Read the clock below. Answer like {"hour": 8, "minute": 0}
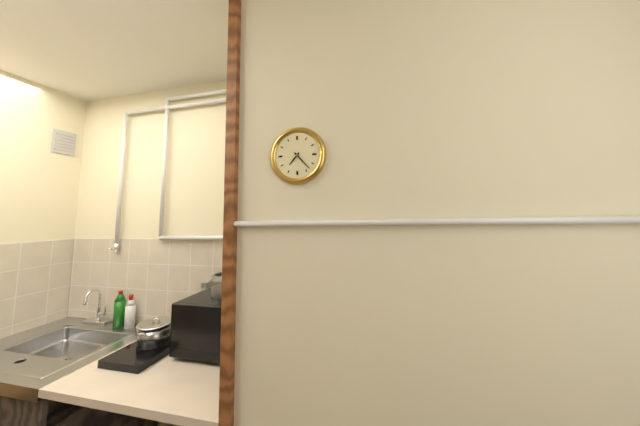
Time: {"hour": 7, "minute": 23}
